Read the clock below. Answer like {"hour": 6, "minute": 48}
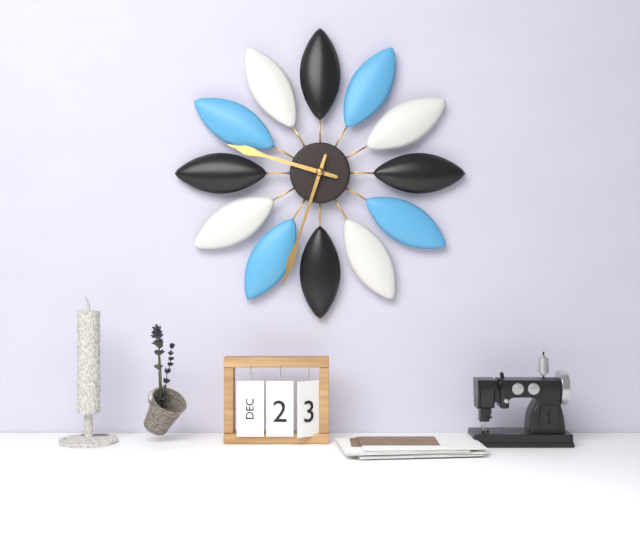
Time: {"hour": 9, "minute": 33}
